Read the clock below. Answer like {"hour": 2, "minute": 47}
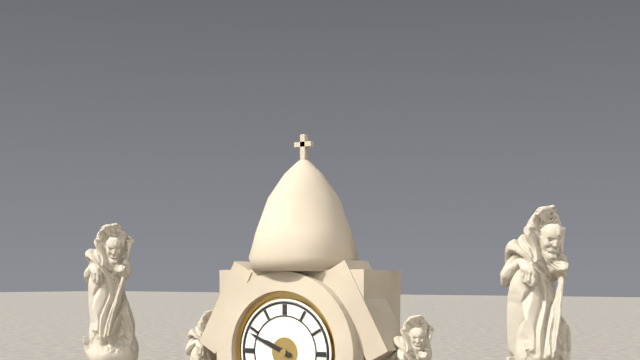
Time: {"hour": 9, "minute": 49}
